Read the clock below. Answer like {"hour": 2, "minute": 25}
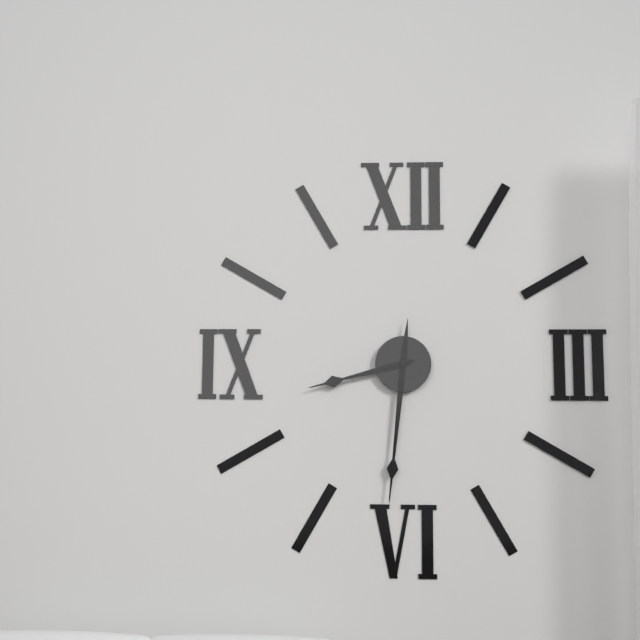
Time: {"hour": 8, "minute": 31}
